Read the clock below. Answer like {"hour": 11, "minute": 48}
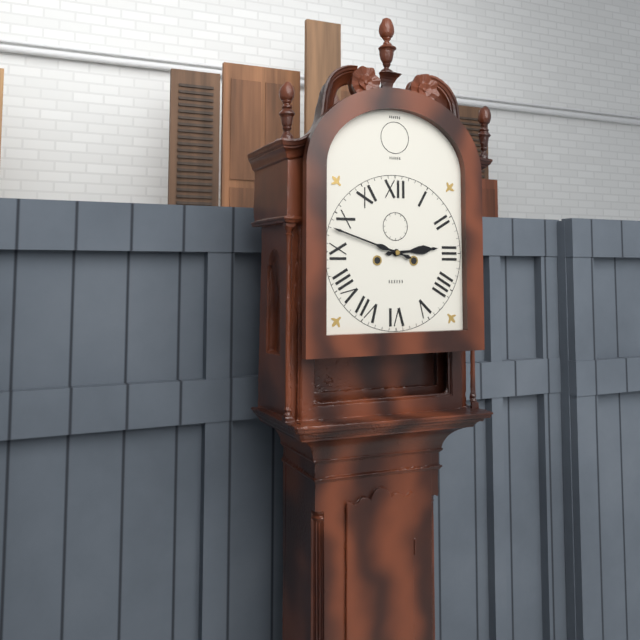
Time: {"hour": 2, "minute": 48}
